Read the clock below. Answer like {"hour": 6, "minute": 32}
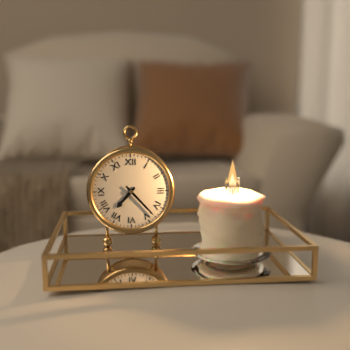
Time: {"hour": 7, "minute": 23}
